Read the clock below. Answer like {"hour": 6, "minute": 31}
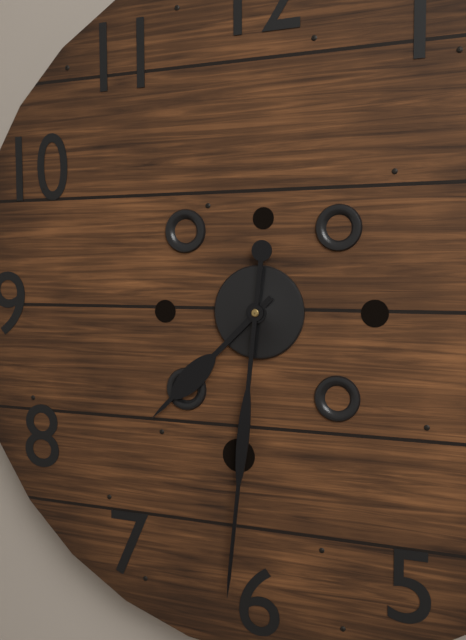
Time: {"hour": 7, "minute": 31}
